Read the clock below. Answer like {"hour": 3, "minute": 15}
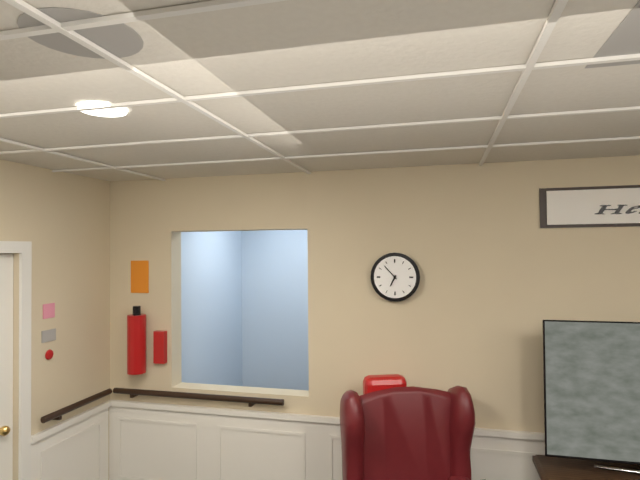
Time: {"hour": 6, "minute": 53}
